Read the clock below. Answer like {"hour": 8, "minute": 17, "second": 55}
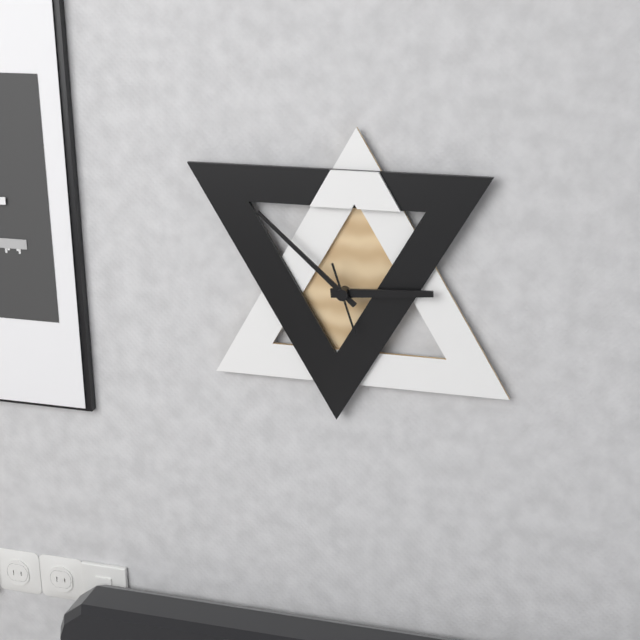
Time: {"hour": 2, "minute": 52, "second": 27}
